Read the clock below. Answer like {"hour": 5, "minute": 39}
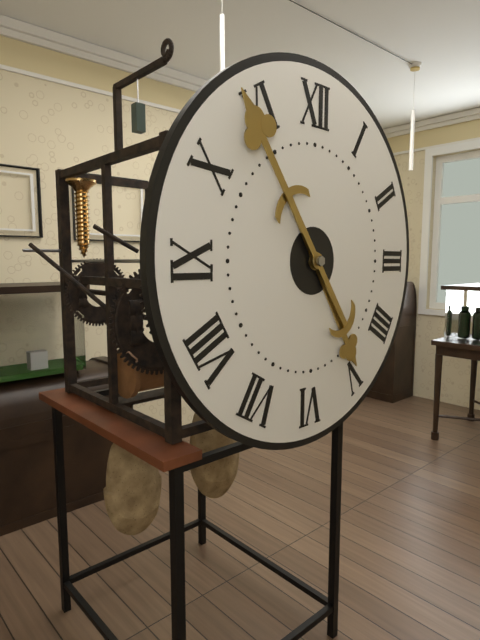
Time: {"hour": 4, "minute": 54}
